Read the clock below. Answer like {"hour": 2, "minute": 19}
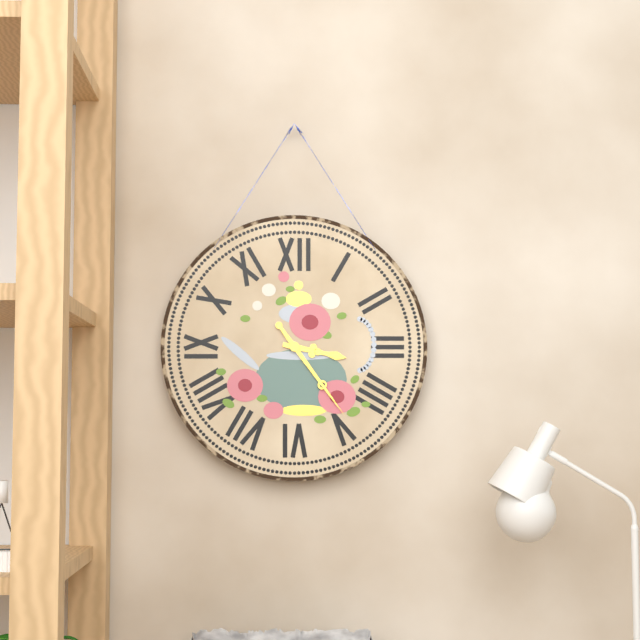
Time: {"hour": 3, "minute": 24}
